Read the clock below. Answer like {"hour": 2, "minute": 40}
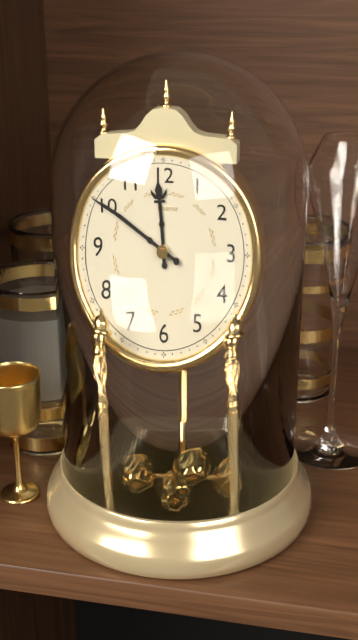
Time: {"hour": 11, "minute": 50}
